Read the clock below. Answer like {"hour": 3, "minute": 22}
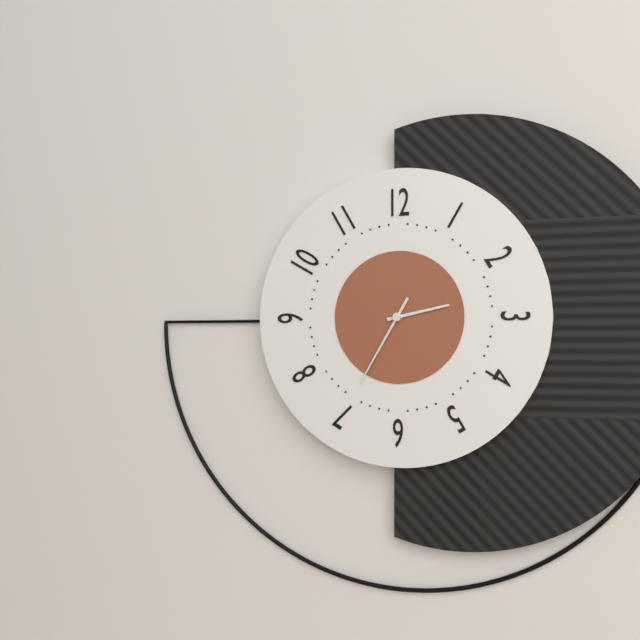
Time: {"hour": 2, "minute": 35}
